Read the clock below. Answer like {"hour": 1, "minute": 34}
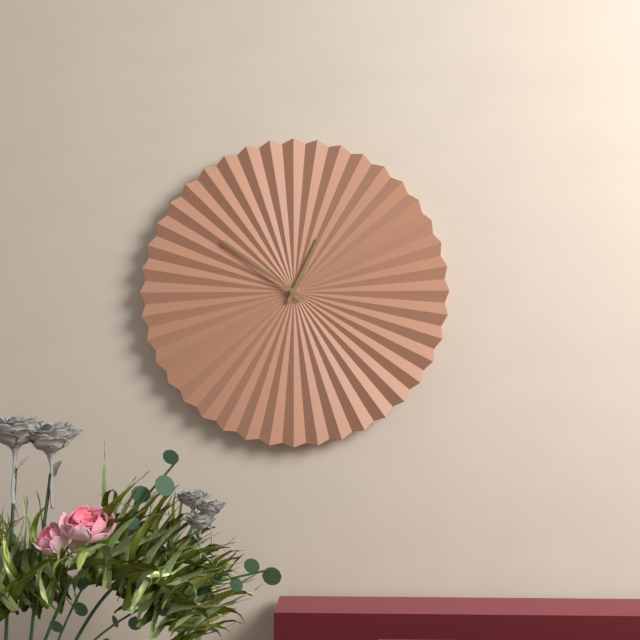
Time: {"hour": 12, "minute": 51}
